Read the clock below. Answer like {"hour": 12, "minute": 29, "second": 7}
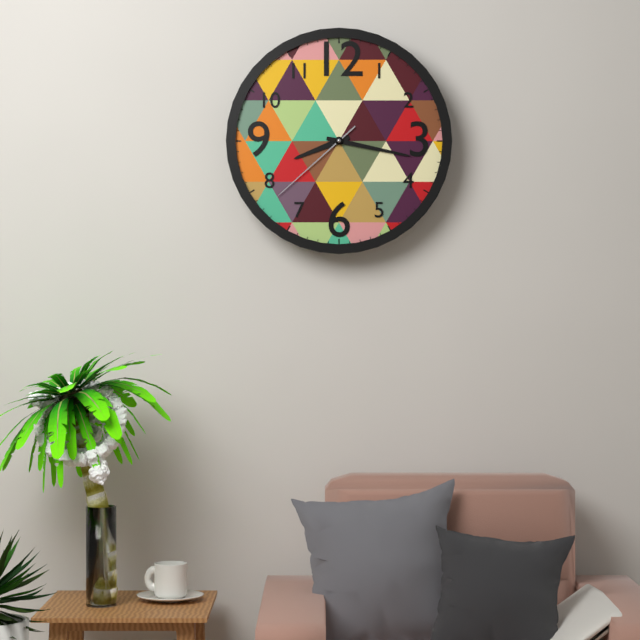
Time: {"hour": 8, "minute": 17, "second": 38}
